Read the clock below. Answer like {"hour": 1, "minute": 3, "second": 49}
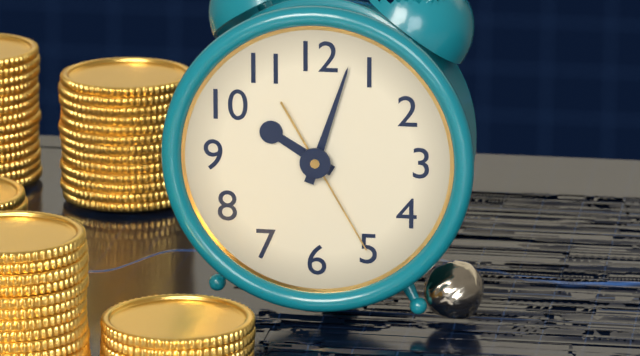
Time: {"hour": 10, "minute": 3, "second": 25}
